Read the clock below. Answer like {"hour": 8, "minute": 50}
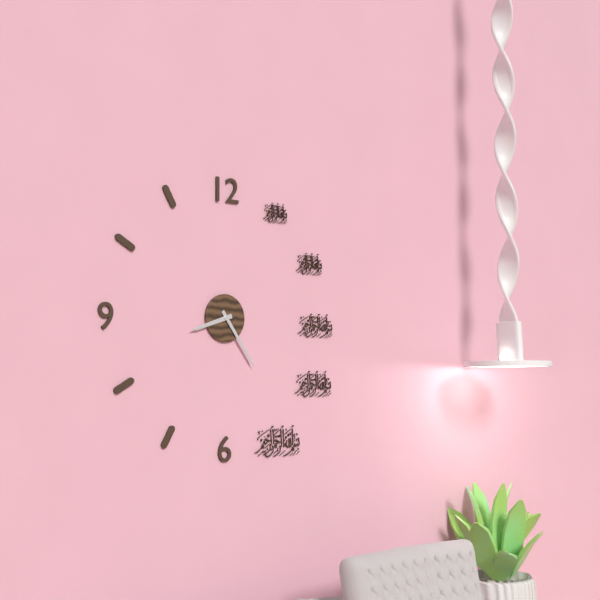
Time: {"hour": 8, "minute": 24}
